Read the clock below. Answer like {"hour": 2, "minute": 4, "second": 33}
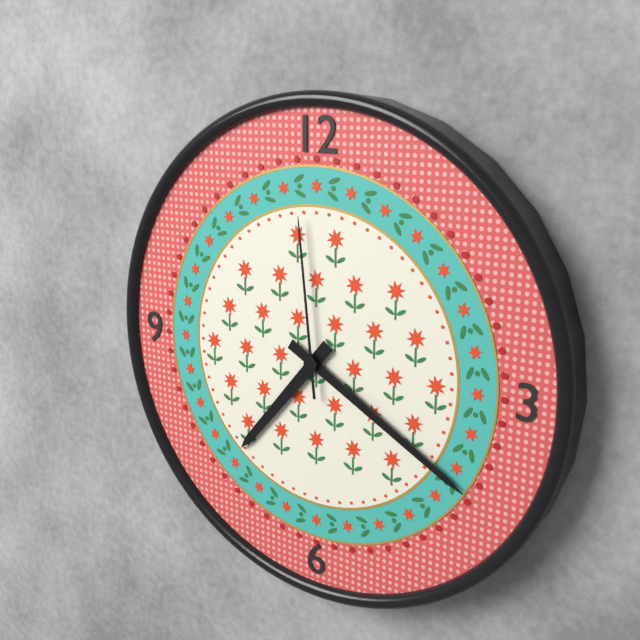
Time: {"hour": 7, "minute": 20, "second": 59}
